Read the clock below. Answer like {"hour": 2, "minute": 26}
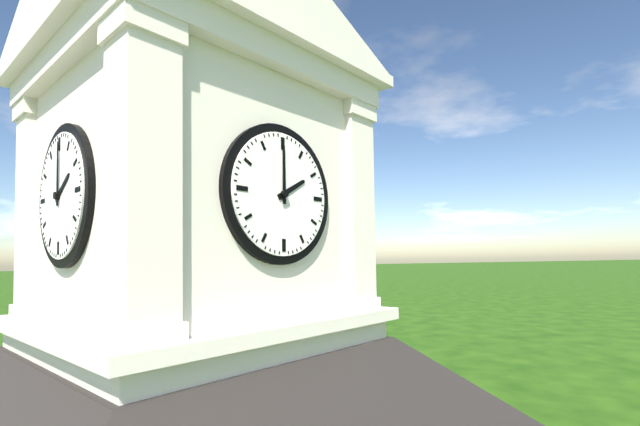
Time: {"hour": 2, "minute": 0}
